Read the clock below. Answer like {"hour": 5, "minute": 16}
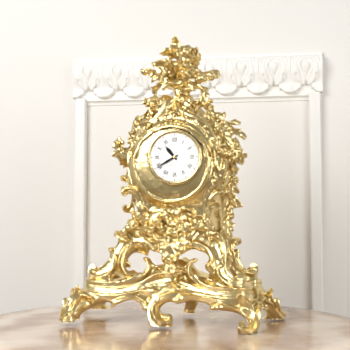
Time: {"hour": 10, "minute": 40}
